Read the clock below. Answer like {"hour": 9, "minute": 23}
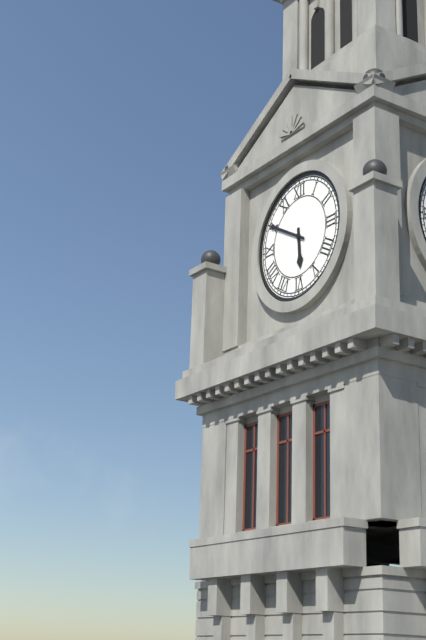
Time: {"hour": 5, "minute": 50}
